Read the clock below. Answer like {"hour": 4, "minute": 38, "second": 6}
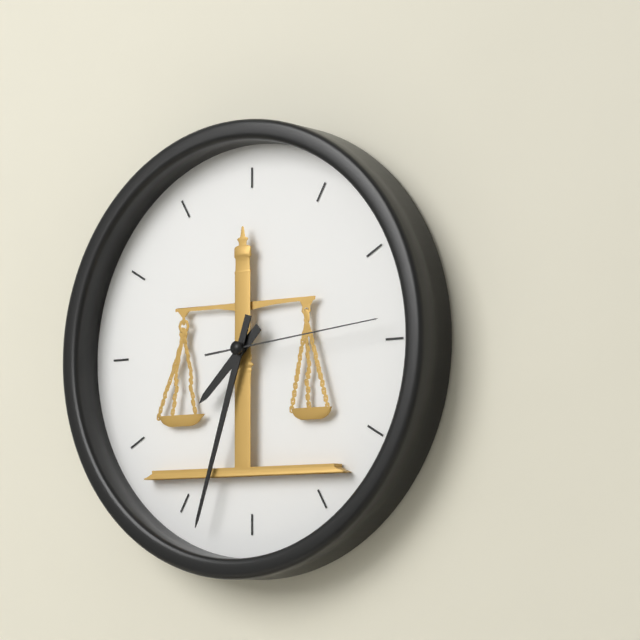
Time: {"hour": 7, "minute": 33, "second": 14}
